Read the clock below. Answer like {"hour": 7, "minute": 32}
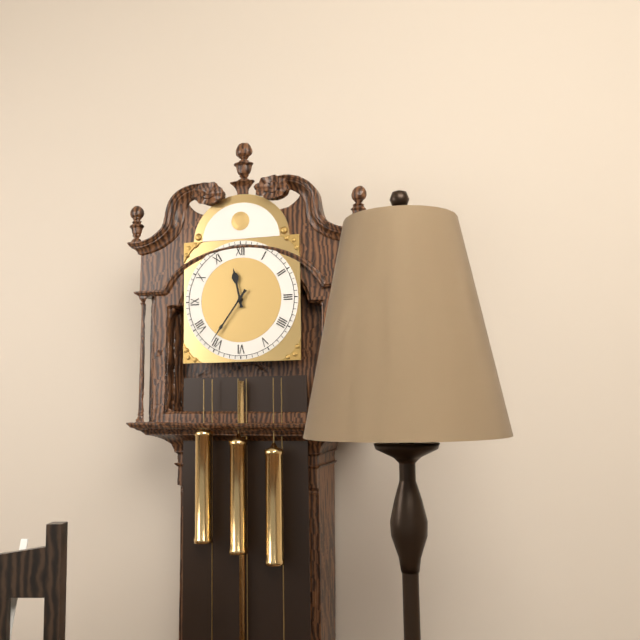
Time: {"hour": 11, "minute": 36}
